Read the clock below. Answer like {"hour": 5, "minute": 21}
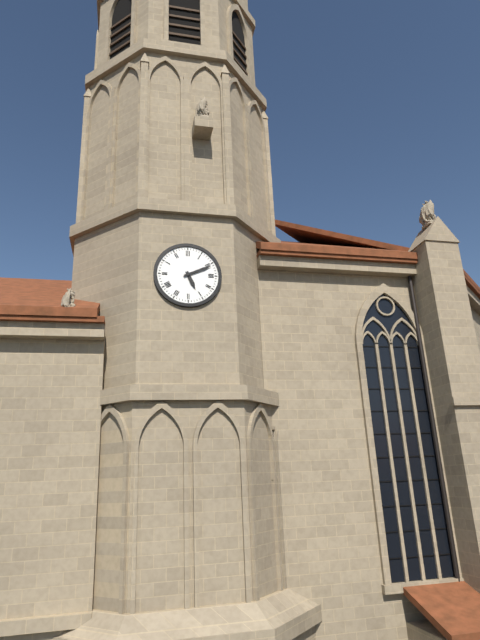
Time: {"hour": 5, "minute": 11}
